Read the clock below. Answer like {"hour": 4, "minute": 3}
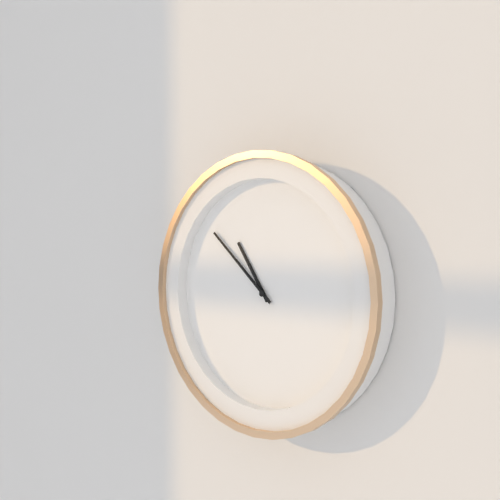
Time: {"hour": 10, "minute": 52}
